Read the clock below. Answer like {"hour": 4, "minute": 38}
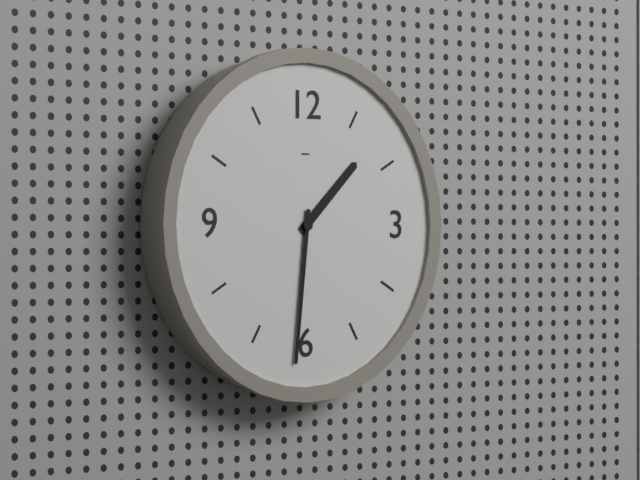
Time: {"hour": 1, "minute": 31}
